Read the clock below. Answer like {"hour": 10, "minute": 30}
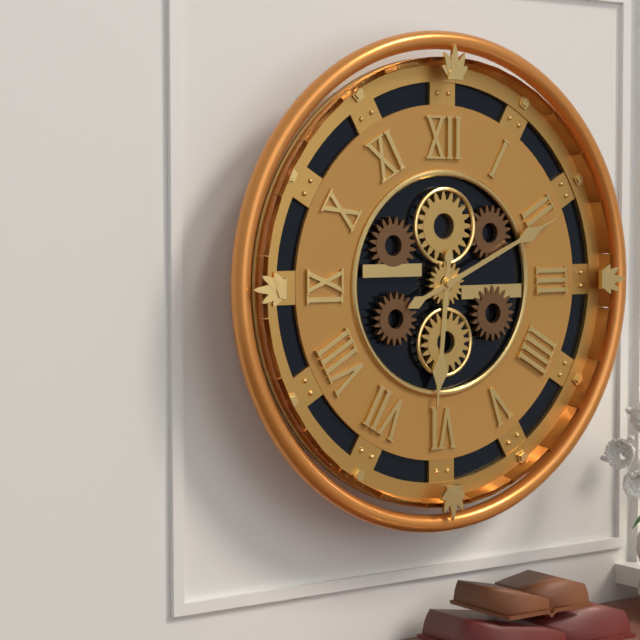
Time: {"hour": 6, "minute": 11}
